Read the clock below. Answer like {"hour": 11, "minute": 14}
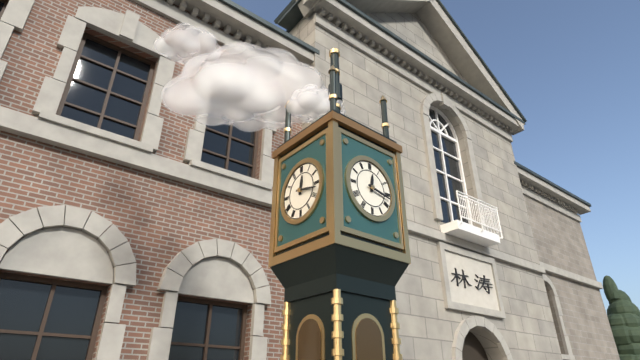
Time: {"hour": 12, "minute": 17}
